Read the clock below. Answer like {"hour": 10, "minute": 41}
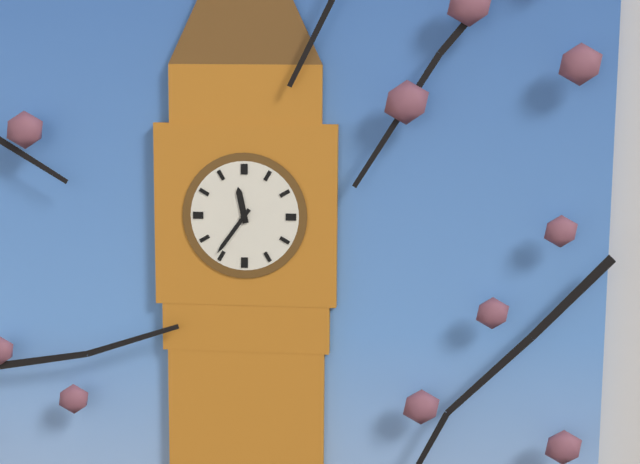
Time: {"hour": 11, "minute": 36}
